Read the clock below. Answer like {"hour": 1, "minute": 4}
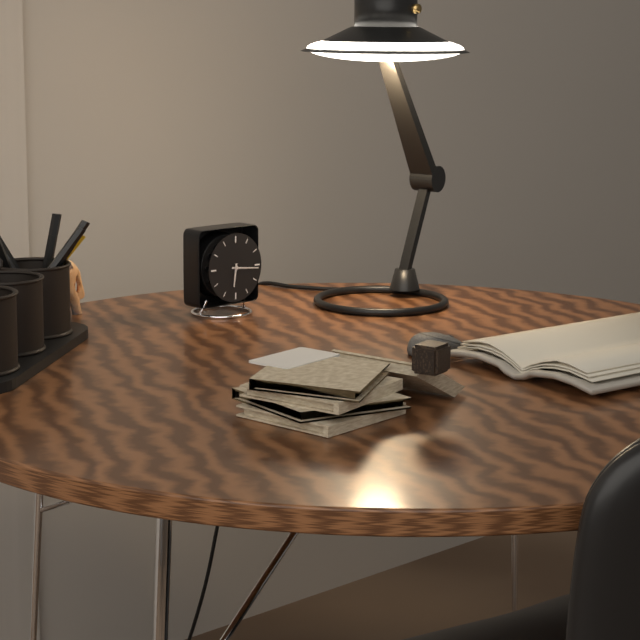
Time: {"hour": 6, "minute": 16}
